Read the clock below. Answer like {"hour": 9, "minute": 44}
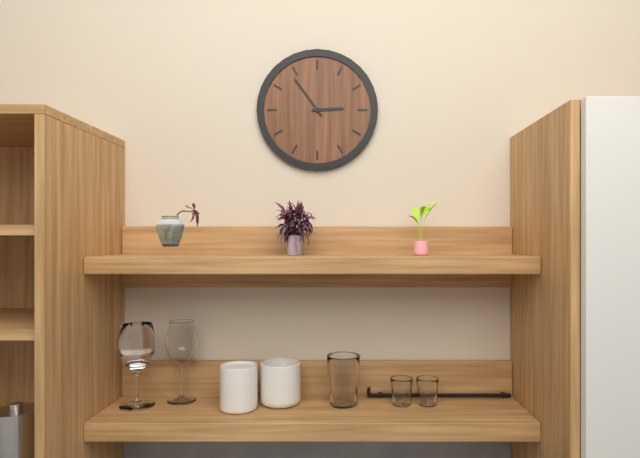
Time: {"hour": 2, "minute": 54}
